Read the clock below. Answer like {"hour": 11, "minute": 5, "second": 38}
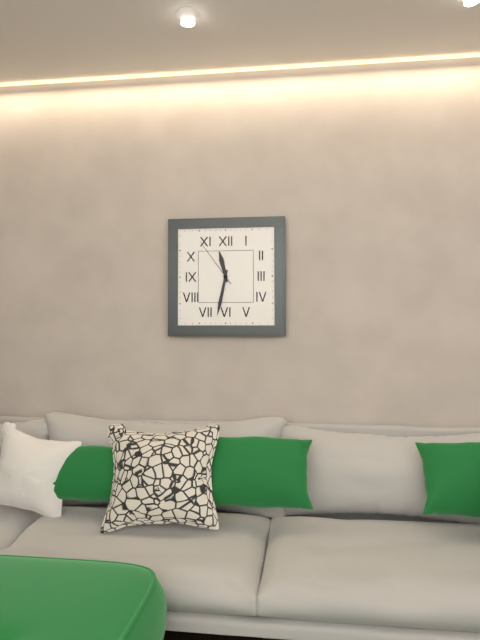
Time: {"hour": 11, "minute": 32, "second": 54}
